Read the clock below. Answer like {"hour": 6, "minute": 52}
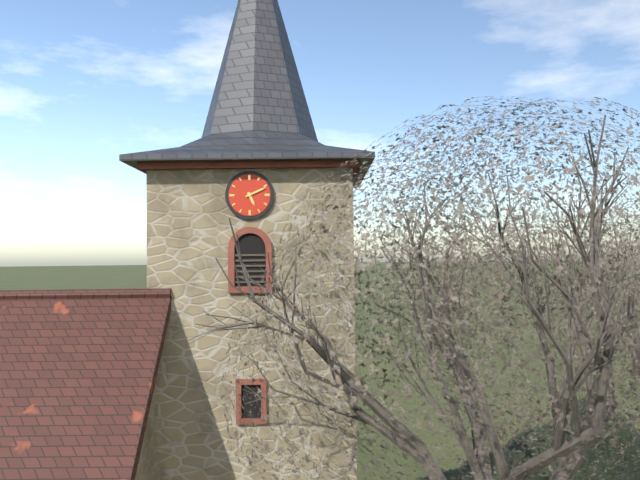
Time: {"hour": 5, "minute": 11}
